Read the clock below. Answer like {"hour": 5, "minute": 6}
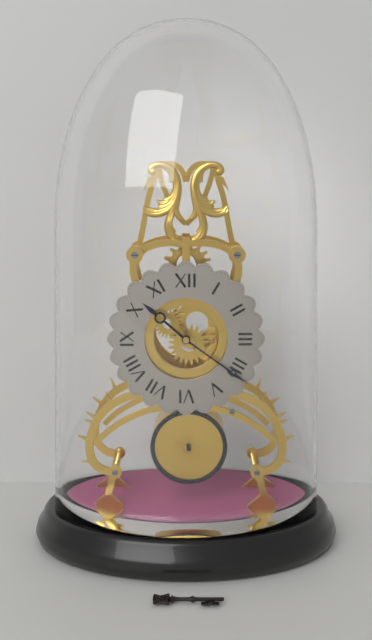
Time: {"hour": 10, "minute": 21}
